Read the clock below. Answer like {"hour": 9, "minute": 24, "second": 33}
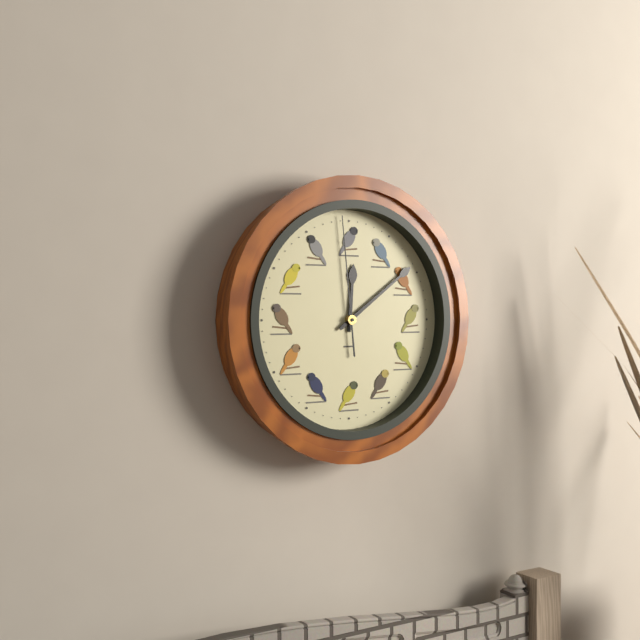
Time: {"hour": 12, "minute": 9, "second": 59}
